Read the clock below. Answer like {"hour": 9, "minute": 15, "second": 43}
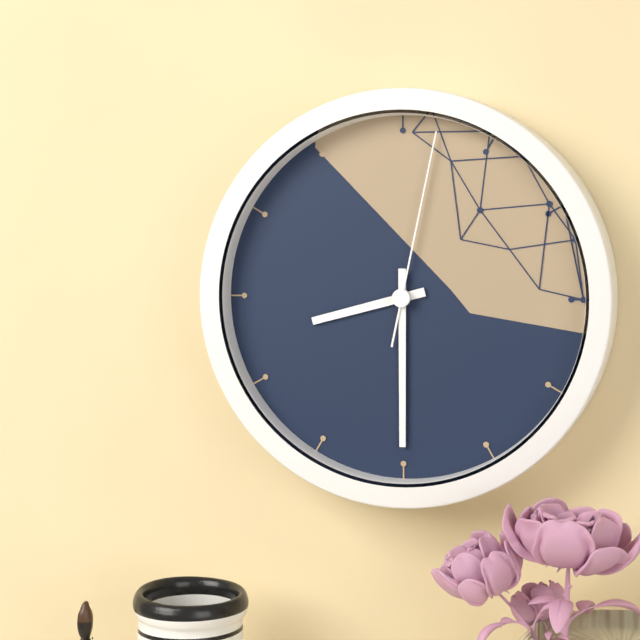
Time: {"hour": 8, "minute": 30, "second": 2}
